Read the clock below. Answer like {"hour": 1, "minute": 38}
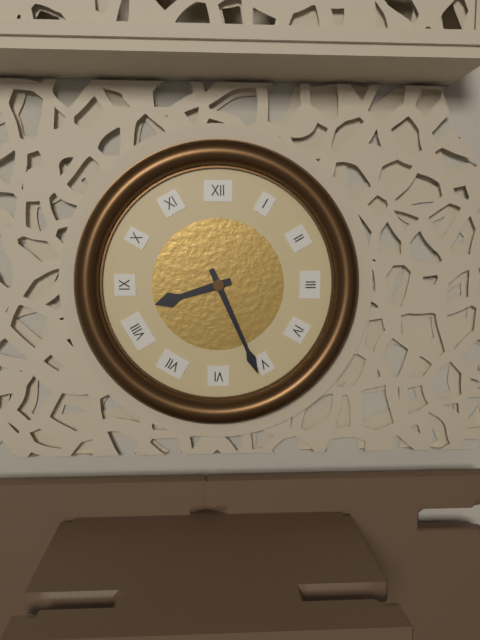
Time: {"hour": 8, "minute": 26}
